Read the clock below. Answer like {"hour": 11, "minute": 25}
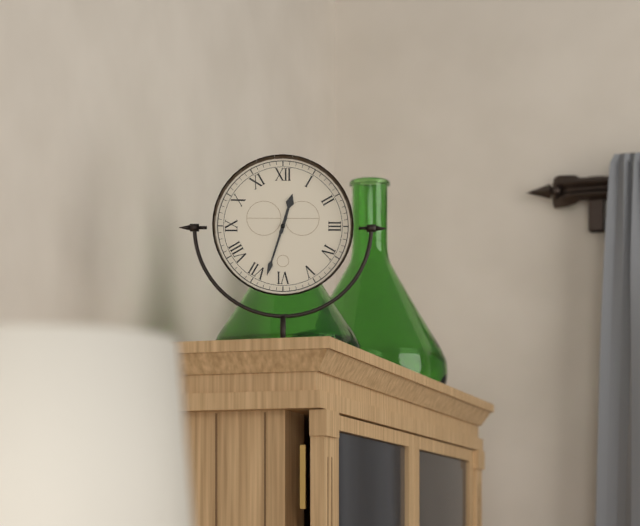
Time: {"hour": 12, "minute": 33}
